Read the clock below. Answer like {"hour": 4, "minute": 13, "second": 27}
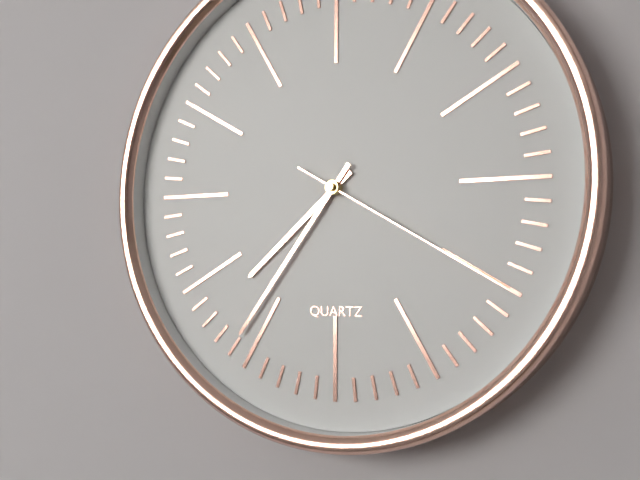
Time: {"hour": 7, "minute": 36, "second": 20}
